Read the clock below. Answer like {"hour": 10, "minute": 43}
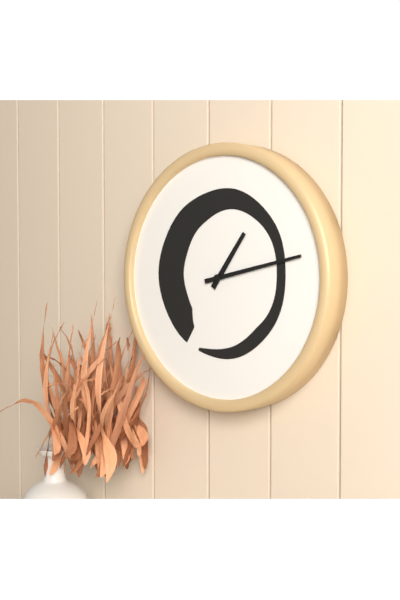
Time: {"hour": 1, "minute": 13}
